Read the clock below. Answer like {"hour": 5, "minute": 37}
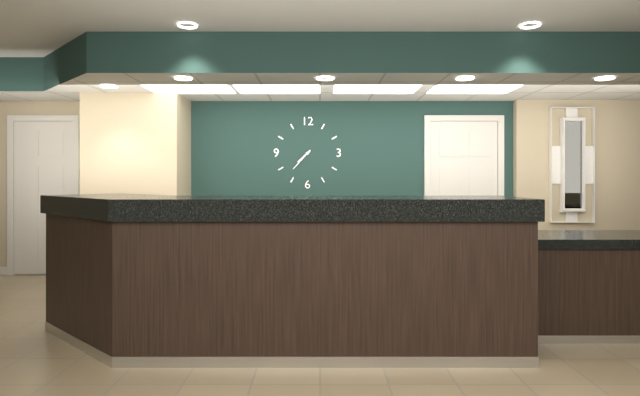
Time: {"hour": 7, "minute": 37}
